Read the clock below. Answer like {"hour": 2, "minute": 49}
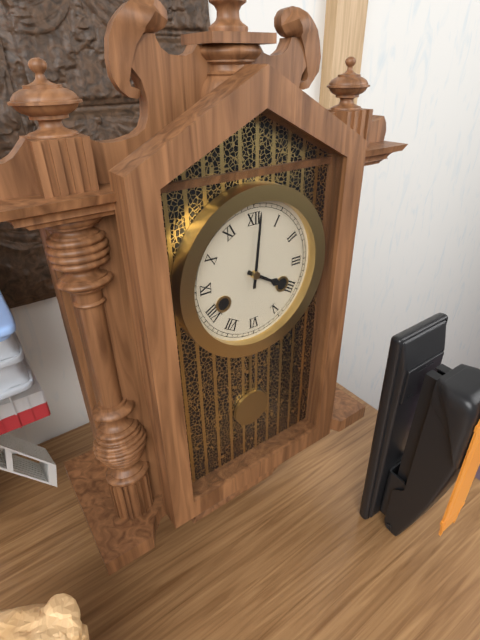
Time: {"hour": 4, "minute": 1}
